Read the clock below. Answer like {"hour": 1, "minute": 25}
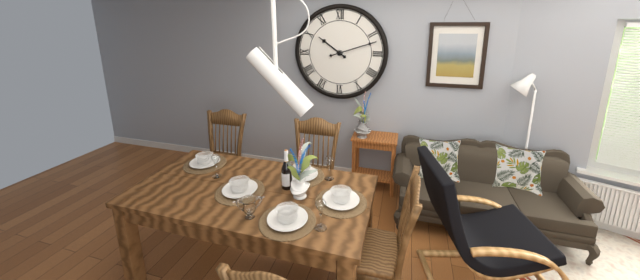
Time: {"hour": 10, "minute": 12}
